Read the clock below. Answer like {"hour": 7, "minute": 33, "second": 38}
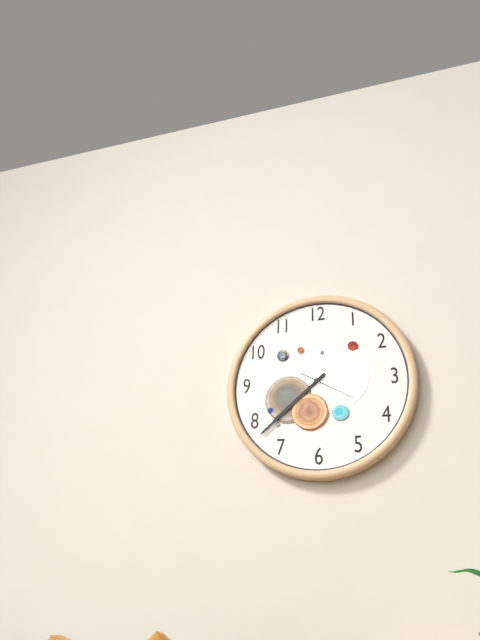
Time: {"hour": 7, "minute": 38, "second": 20}
